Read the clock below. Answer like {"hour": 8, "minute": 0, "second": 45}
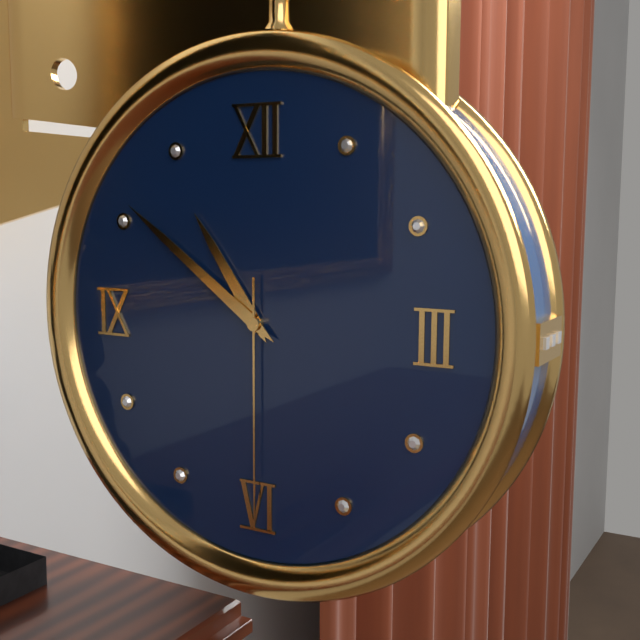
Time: {"hour": 10, "minute": 51, "second": 30}
